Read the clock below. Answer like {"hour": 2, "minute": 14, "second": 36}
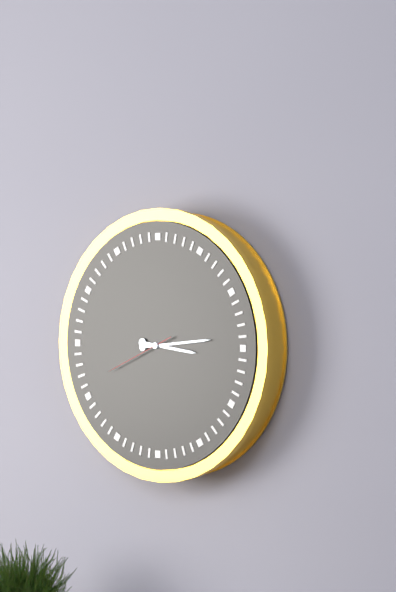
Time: {"hour": 3, "minute": 14, "second": 41}
